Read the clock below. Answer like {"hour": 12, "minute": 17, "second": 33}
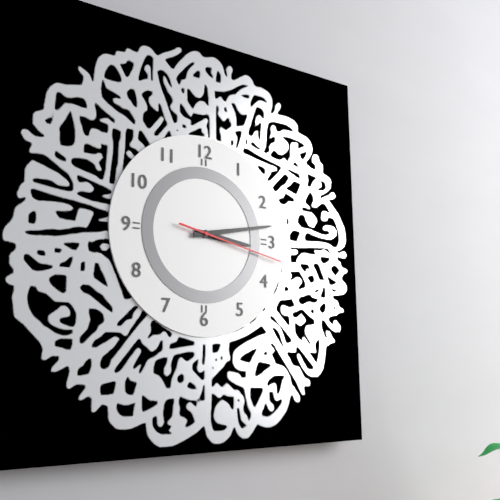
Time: {"hour": 3, "minute": 13, "second": 17}
